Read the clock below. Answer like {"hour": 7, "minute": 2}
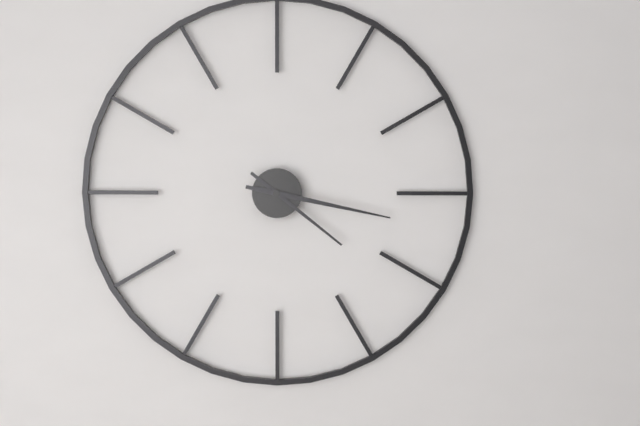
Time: {"hour": 4, "minute": 17}
